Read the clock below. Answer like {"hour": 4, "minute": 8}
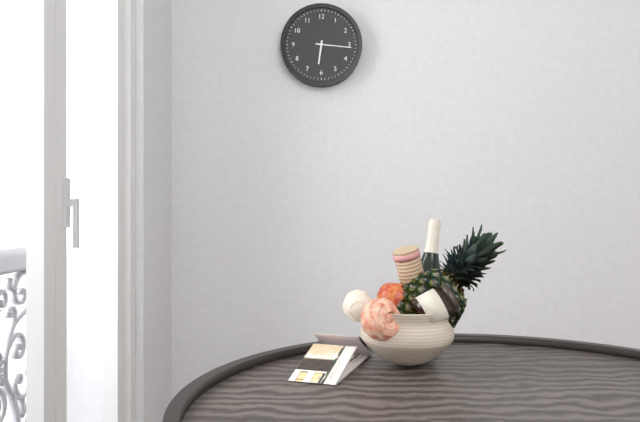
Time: {"hour": 6, "minute": 16}
